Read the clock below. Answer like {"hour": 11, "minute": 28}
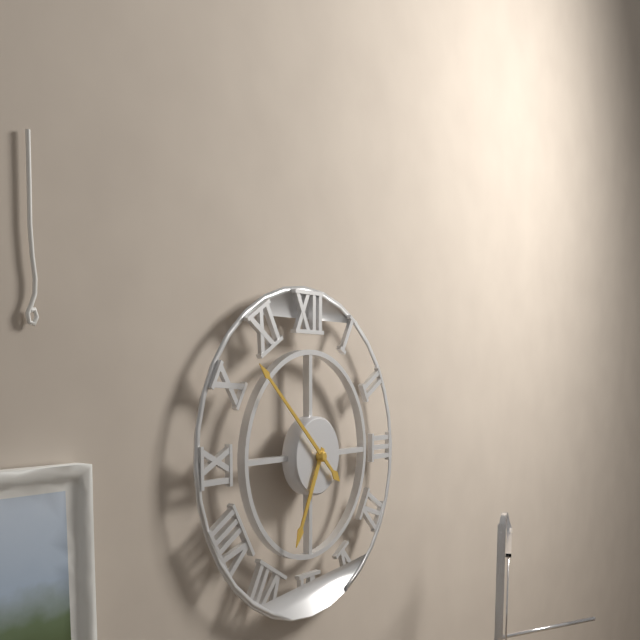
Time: {"hour": 6, "minute": 52}
